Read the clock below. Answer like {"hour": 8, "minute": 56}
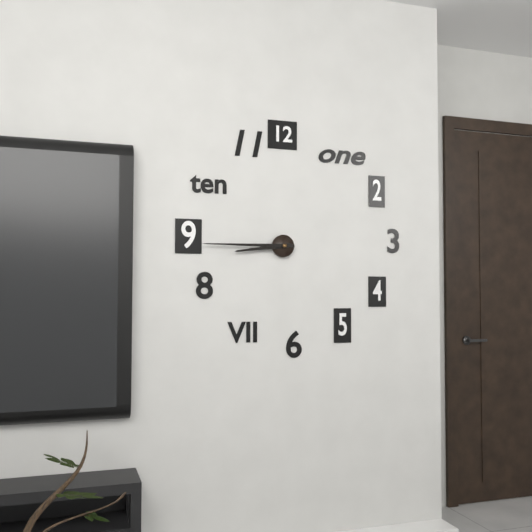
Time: {"hour": 8, "minute": 45}
